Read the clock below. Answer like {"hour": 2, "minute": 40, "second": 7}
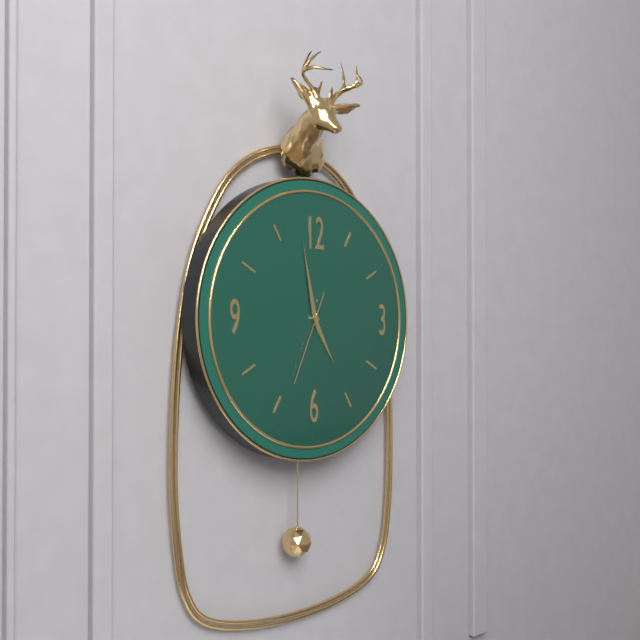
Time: {"hour": 4, "minute": 58, "second": 34}
